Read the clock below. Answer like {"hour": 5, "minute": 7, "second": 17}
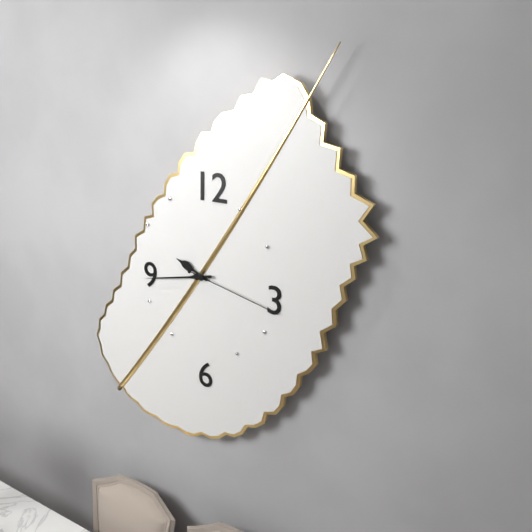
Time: {"hour": 9, "minute": 43, "second": 17}
